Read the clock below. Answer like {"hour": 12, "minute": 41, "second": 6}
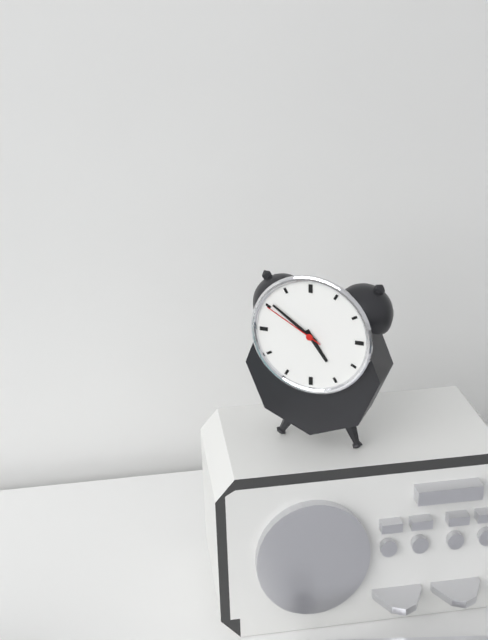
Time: {"hour": 4, "minute": 51, "second": 50}
